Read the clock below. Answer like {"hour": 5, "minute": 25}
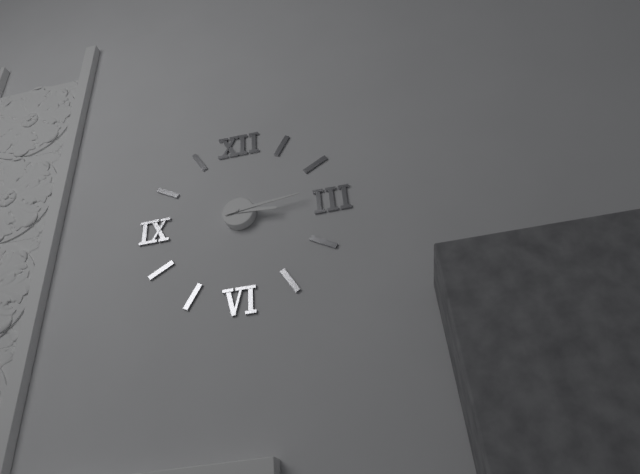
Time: {"hour": 3, "minute": 14}
